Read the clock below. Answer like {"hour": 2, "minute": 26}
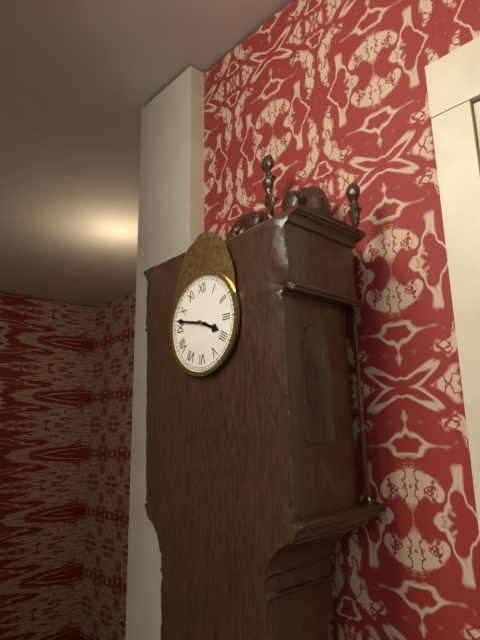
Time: {"hour": 3, "minute": 47}
